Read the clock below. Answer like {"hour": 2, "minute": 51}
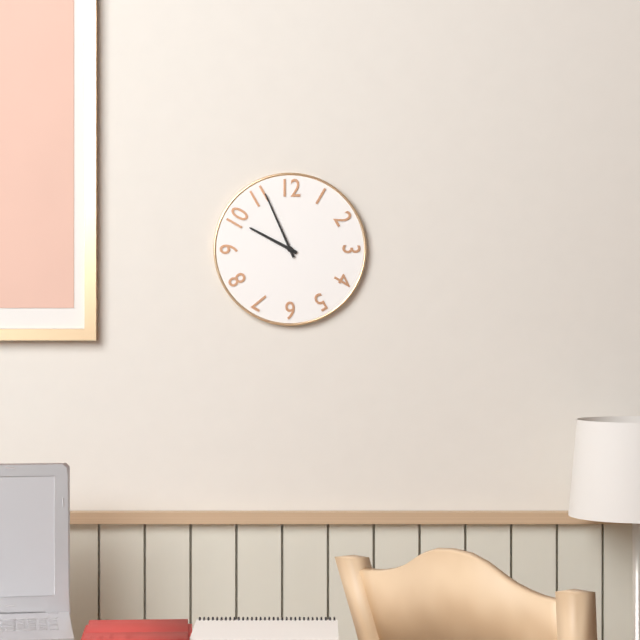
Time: {"hour": 9, "minute": 56}
